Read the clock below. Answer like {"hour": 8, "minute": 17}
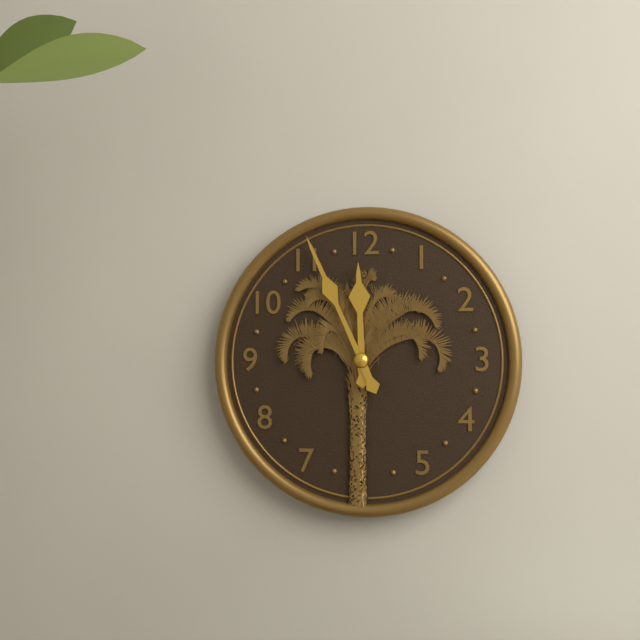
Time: {"hour": 11, "minute": 56}
